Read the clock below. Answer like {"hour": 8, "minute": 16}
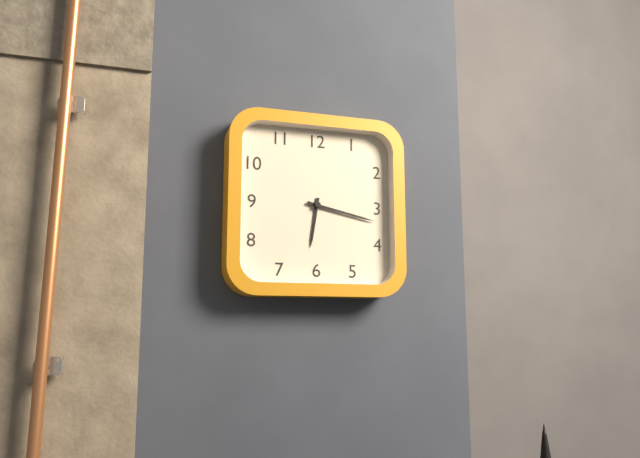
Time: {"hour": 6, "minute": 17}
